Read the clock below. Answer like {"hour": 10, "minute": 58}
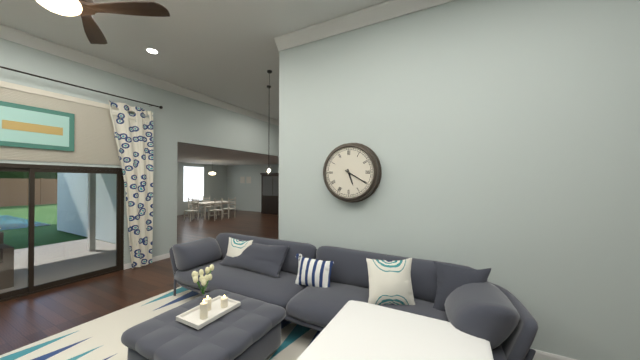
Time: {"hour": 5, "minute": 20}
